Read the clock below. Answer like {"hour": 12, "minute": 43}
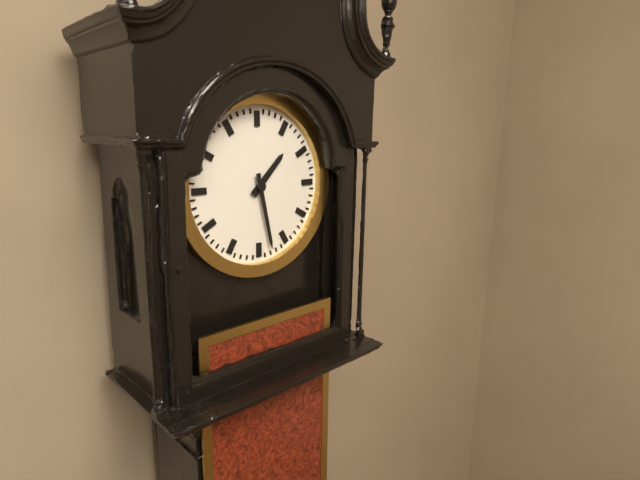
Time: {"hour": 1, "minute": 28}
